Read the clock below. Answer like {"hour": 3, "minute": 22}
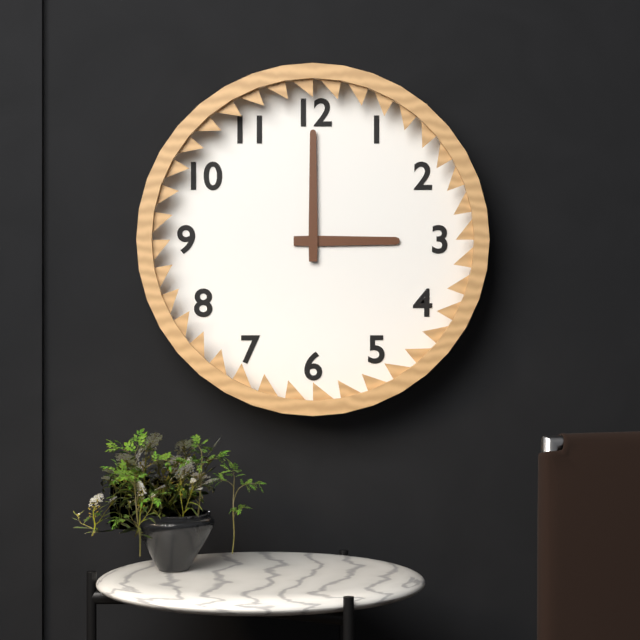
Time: {"hour": 3, "minute": 0}
